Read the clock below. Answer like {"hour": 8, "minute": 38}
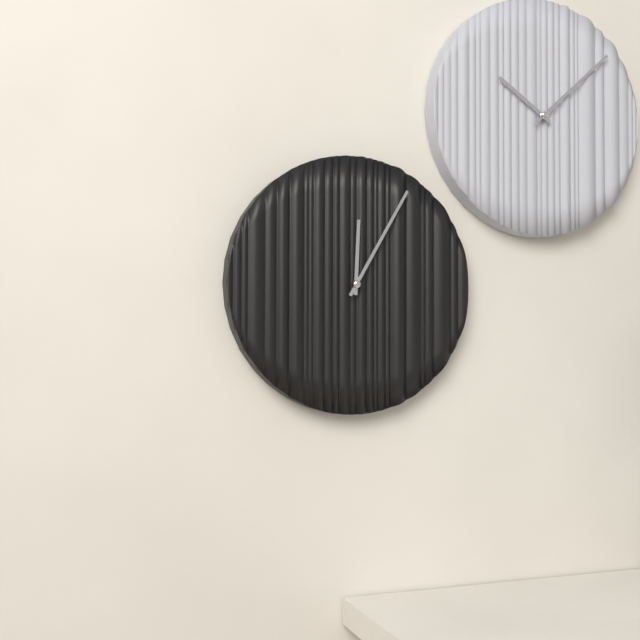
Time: {"hour": 12, "minute": 5}
